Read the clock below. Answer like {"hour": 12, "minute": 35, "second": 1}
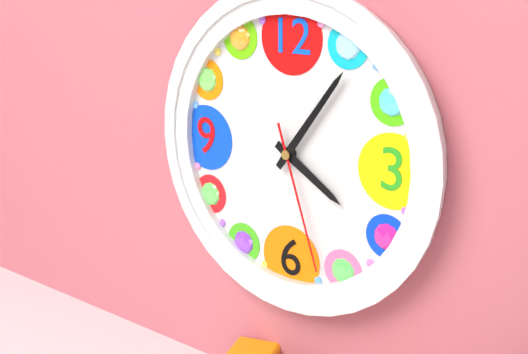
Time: {"hour": 4, "minute": 6, "second": 27}
